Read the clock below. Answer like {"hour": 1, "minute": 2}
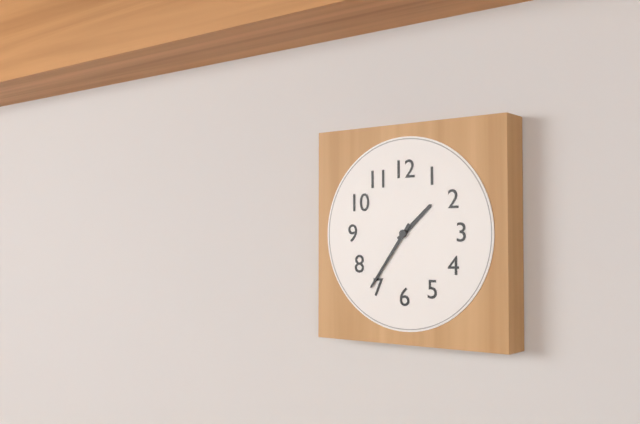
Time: {"hour": 1, "minute": 36}
